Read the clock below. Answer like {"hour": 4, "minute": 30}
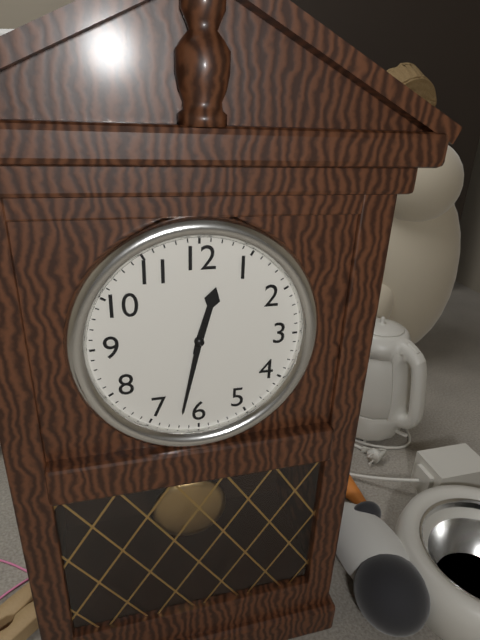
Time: {"hour": 12, "minute": 32}
